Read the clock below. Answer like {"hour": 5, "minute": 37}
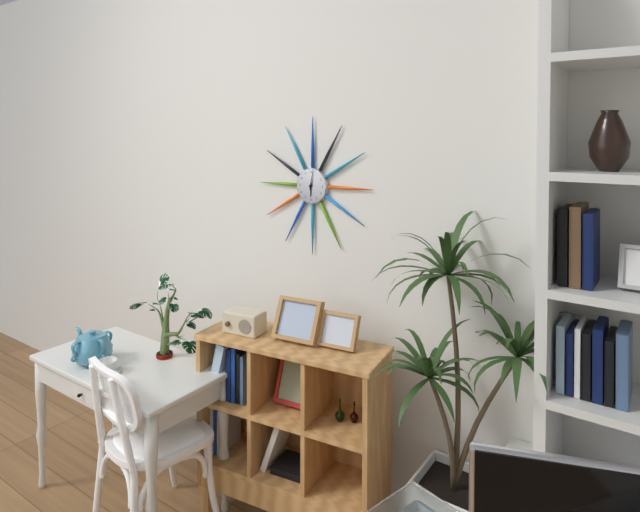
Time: {"hour": 6, "minute": 2}
